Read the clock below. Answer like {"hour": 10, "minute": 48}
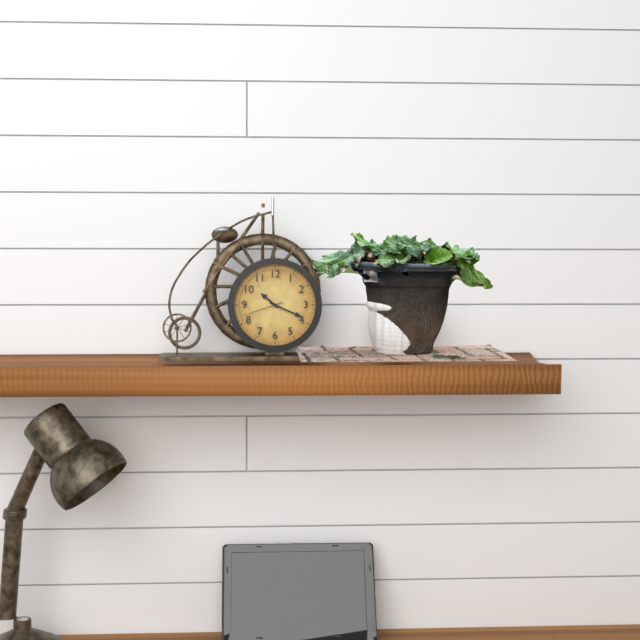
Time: {"hour": 10, "minute": 19}
